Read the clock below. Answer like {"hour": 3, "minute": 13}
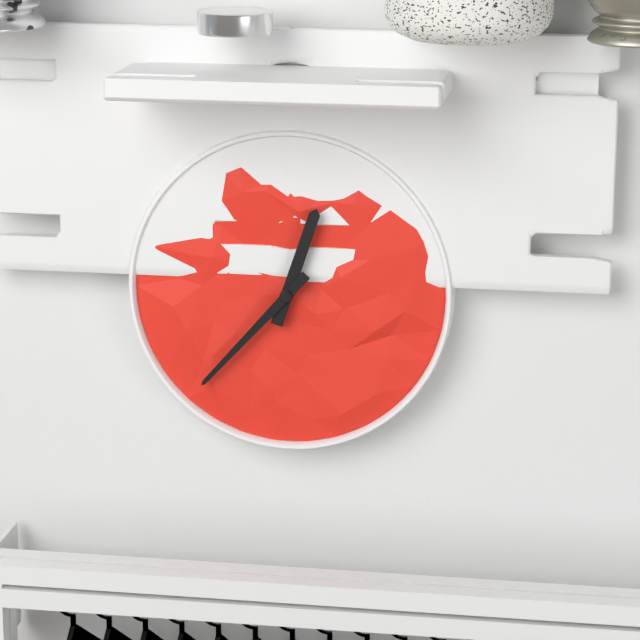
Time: {"hour": 12, "minute": 37}
